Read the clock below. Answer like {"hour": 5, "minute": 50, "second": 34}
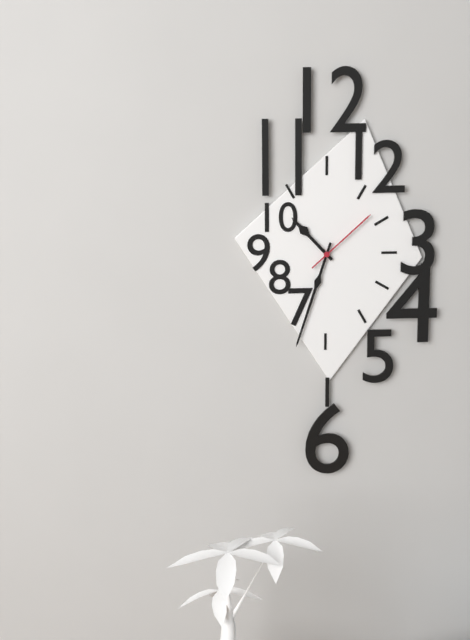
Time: {"hour": 10, "minute": 33, "second": 8}
